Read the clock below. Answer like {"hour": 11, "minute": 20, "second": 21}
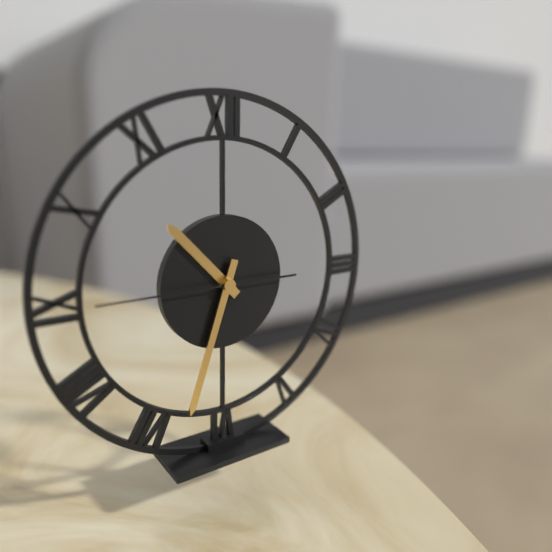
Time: {"hour": 10, "minute": 33, "second": 45}
